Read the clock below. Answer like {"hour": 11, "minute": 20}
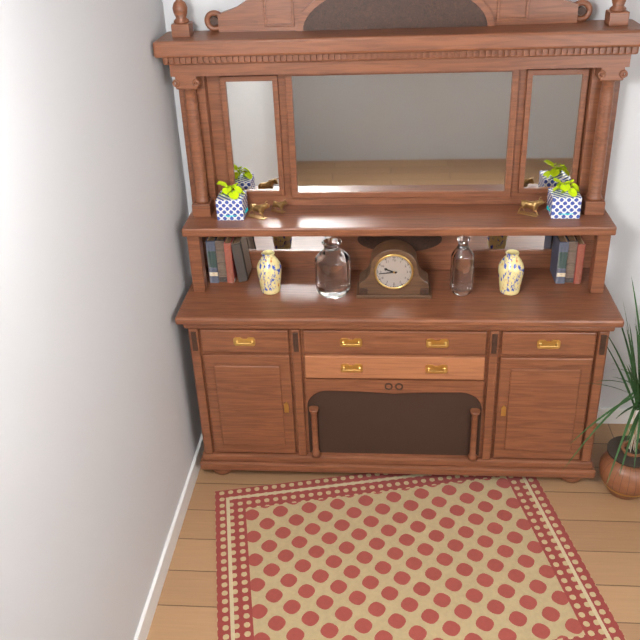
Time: {"hour": 9, "minute": 44}
